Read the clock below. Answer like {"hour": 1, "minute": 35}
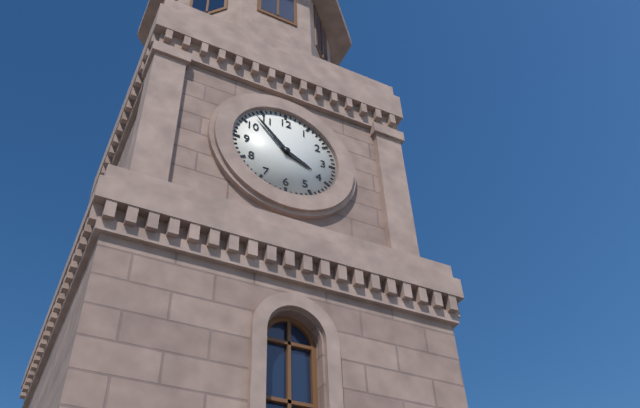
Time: {"hour": 3, "minute": 53}
